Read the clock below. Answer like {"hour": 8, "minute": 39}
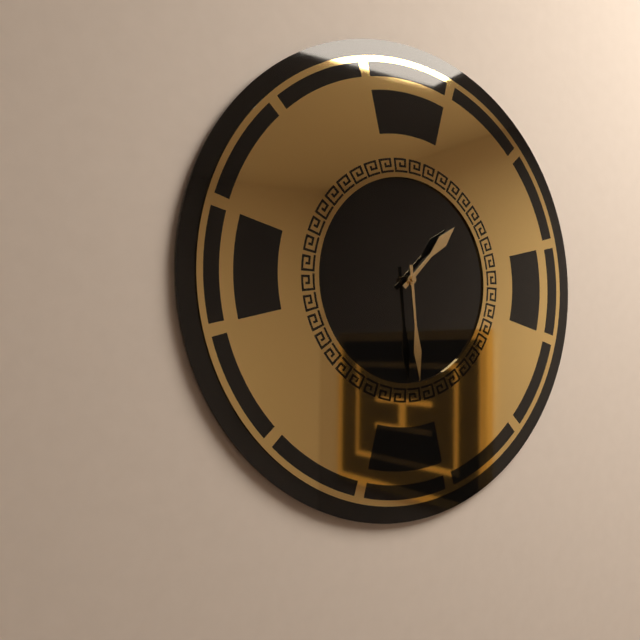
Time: {"hour": 1, "minute": 29}
